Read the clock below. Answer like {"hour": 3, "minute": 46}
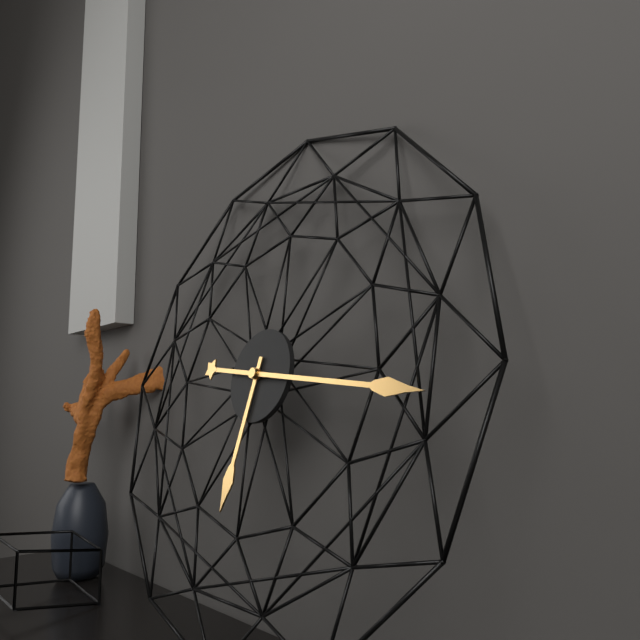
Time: {"hour": 6, "minute": 16}
